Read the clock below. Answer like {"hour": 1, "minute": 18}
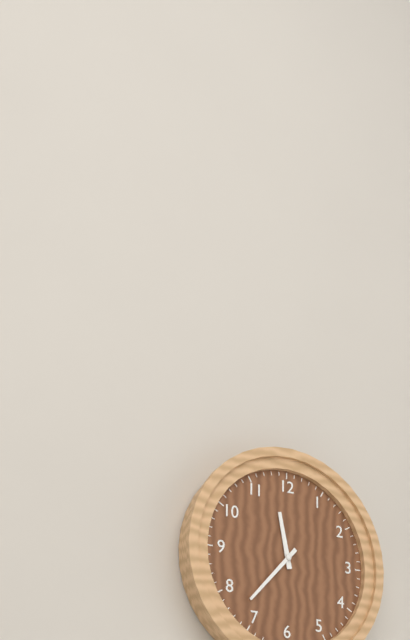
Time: {"hour": 11, "minute": 37}
